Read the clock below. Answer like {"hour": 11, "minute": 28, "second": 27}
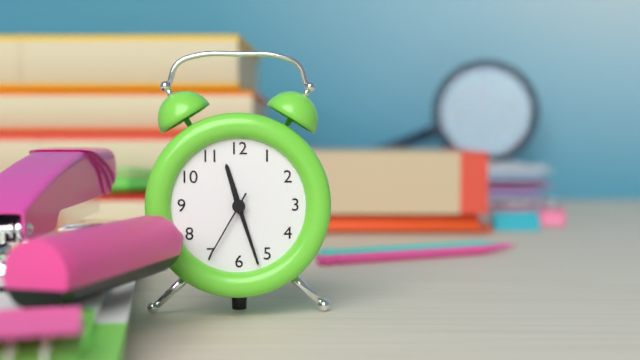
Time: {"hour": 11, "minute": 27, "second": 35}
